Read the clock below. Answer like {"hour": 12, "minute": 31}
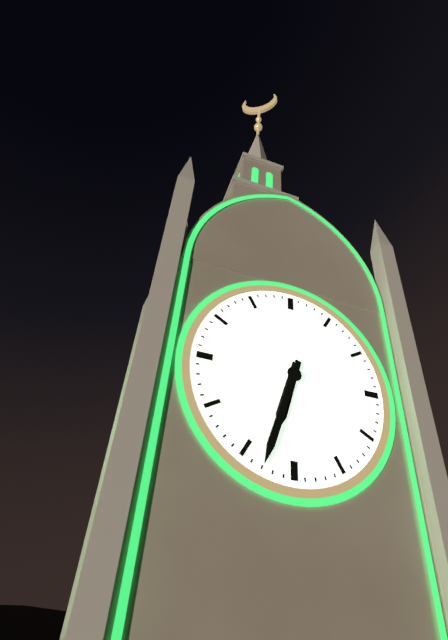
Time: {"hour": 6, "minute": 33}
